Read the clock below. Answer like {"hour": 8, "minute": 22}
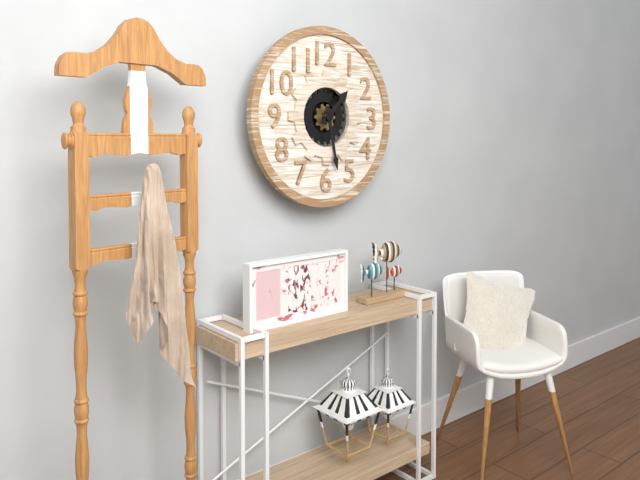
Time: {"hour": 1, "minute": 28}
